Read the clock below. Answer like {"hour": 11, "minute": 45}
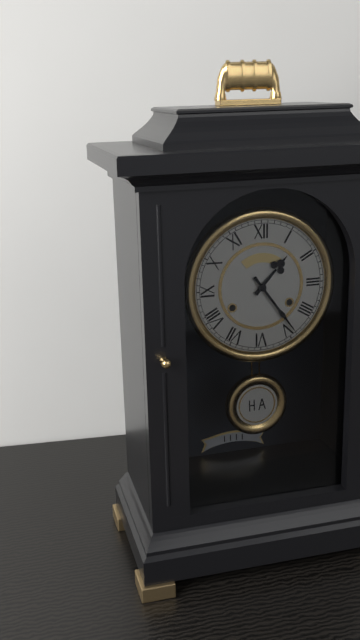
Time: {"hour": 1, "minute": 24}
